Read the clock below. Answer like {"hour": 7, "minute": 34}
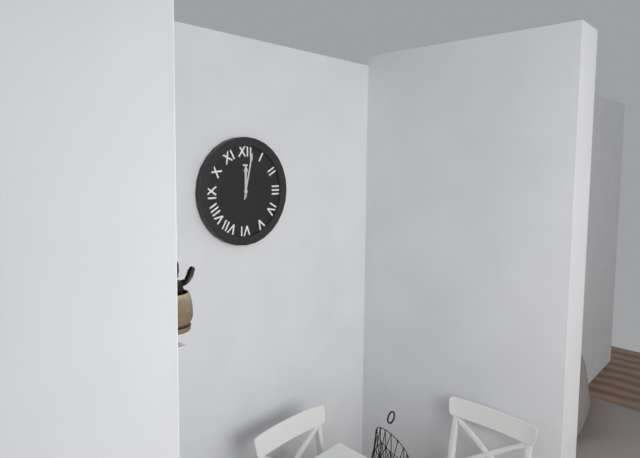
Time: {"hour": 12, "minute": 2}
